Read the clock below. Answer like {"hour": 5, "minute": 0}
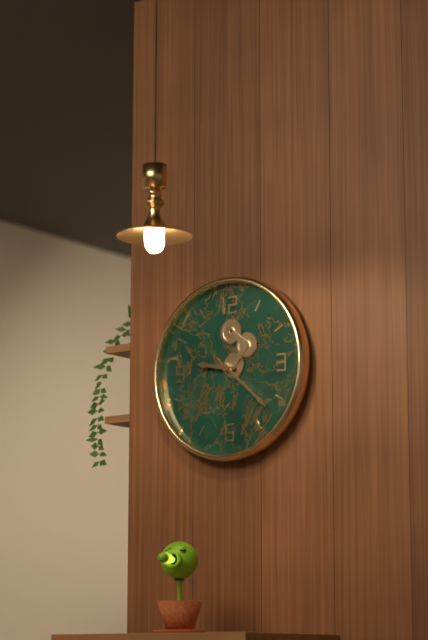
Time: {"hour": 9, "minute": 22}
